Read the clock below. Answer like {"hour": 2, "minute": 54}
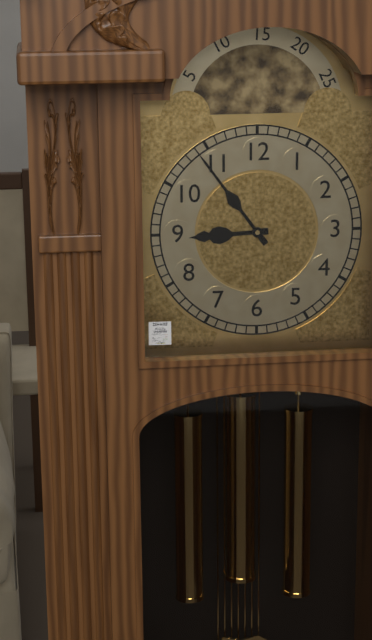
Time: {"hour": 8, "minute": 54}
